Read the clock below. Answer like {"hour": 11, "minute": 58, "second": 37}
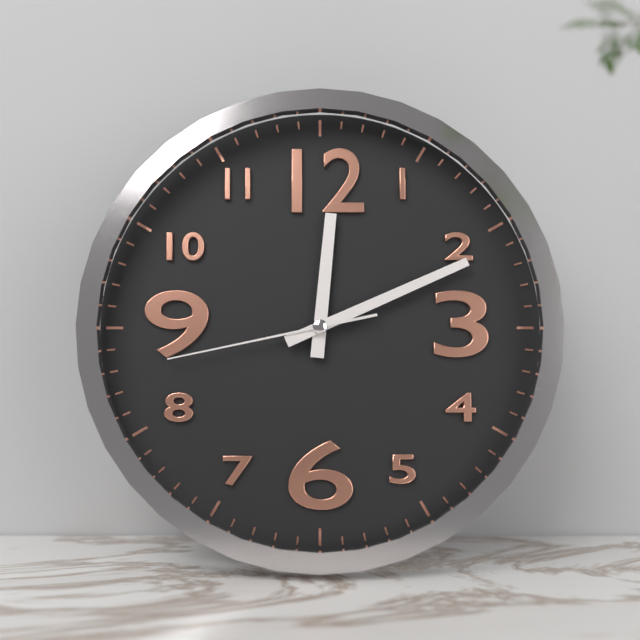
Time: {"hour": 12, "minute": 11, "second": 43}
